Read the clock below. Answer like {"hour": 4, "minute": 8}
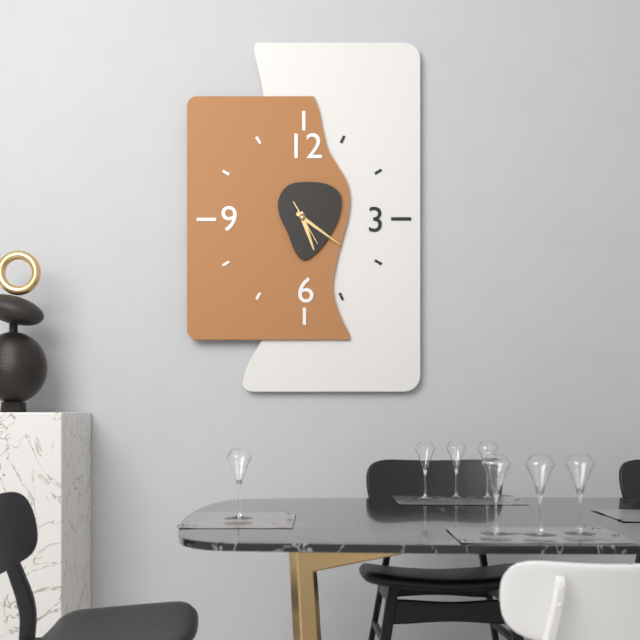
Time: {"hour": 5, "minute": 21}
